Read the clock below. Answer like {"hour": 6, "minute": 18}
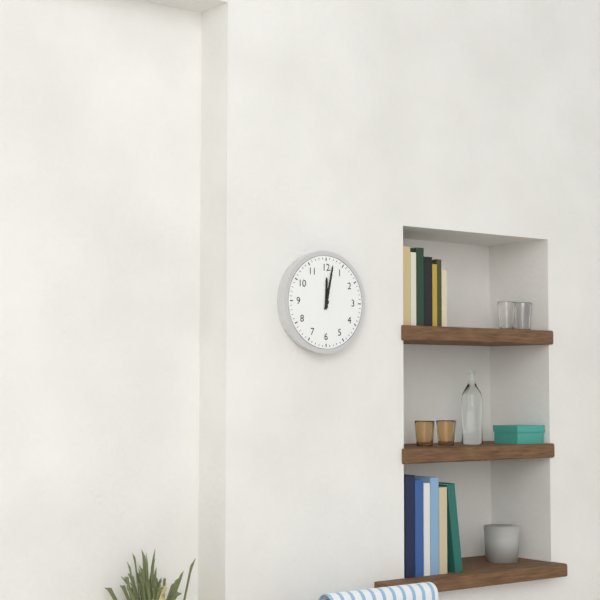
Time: {"hour": 12, "minute": 2}
